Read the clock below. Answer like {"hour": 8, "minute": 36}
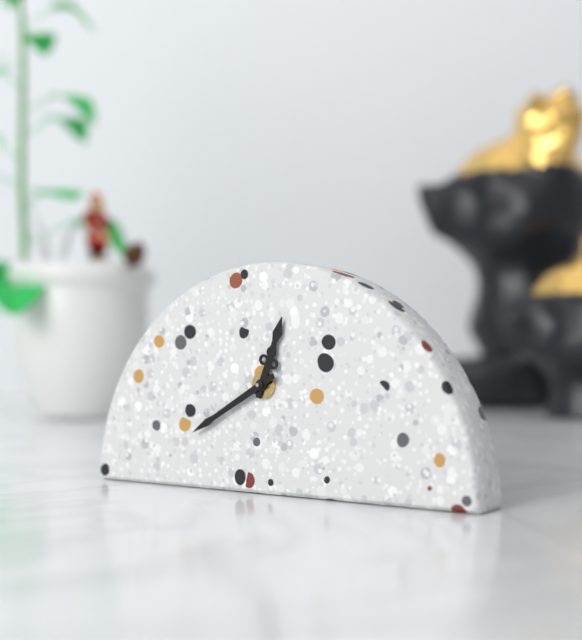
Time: {"hour": 12, "minute": 40}
